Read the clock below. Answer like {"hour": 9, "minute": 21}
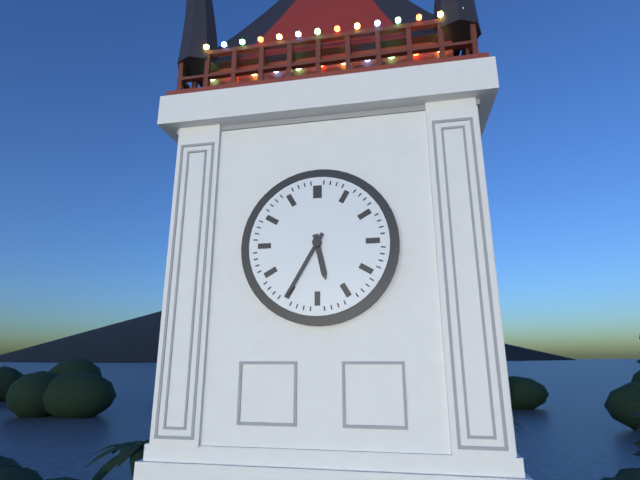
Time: {"hour": 5, "minute": 35}
